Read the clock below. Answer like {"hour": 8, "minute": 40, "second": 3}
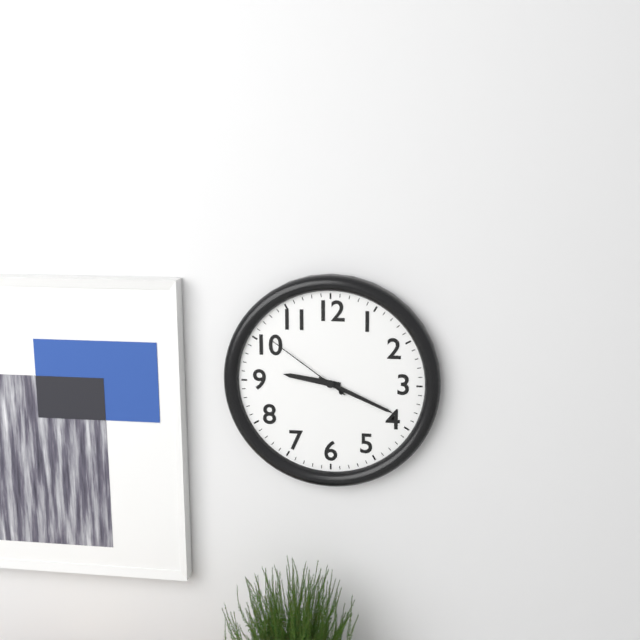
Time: {"hour": 9, "minute": 19, "second": 51}
